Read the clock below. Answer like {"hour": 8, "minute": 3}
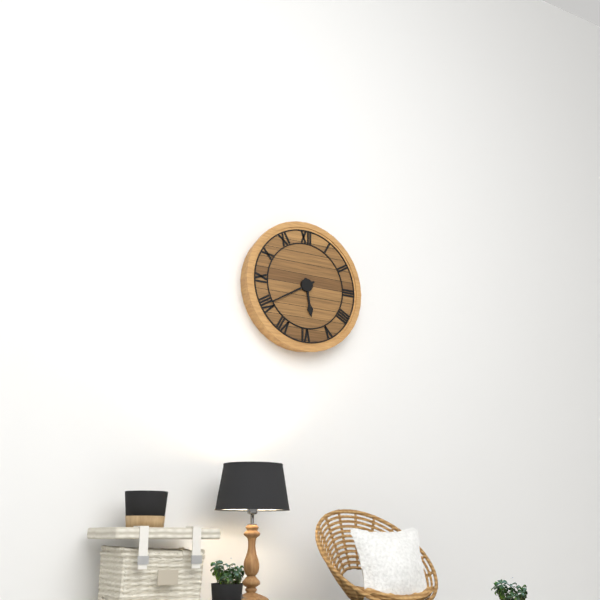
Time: {"hour": 5, "minute": 40}
